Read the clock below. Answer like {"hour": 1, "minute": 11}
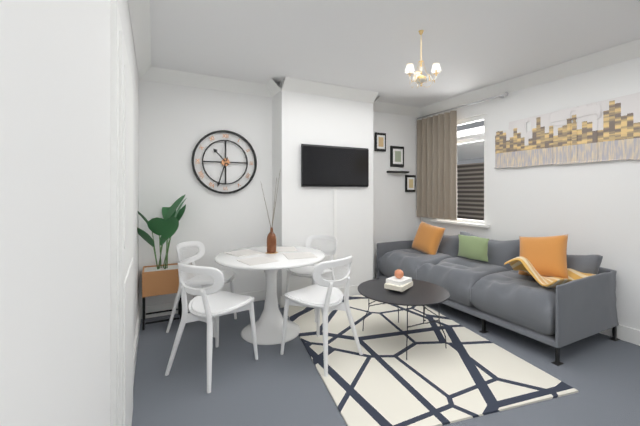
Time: {"hour": 10, "minute": 33}
